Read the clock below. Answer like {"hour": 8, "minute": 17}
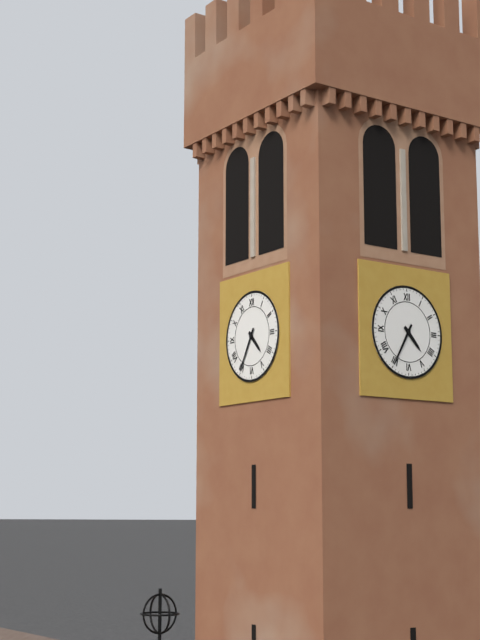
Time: {"hour": 4, "minute": 35}
